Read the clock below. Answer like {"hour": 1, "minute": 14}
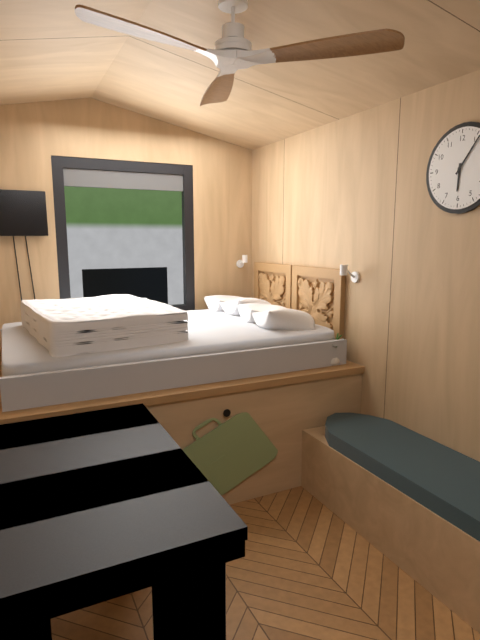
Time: {"hour": 6, "minute": 6}
